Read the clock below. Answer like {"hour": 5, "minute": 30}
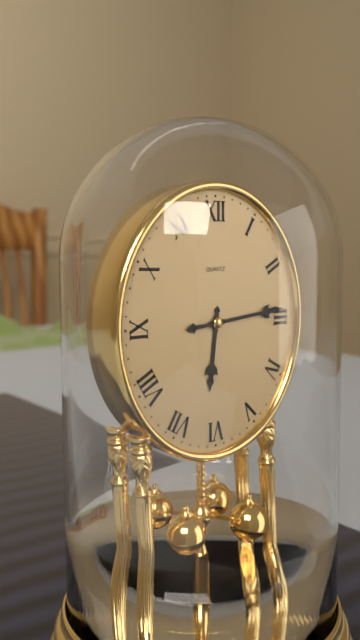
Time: {"hour": 6, "minute": 14}
